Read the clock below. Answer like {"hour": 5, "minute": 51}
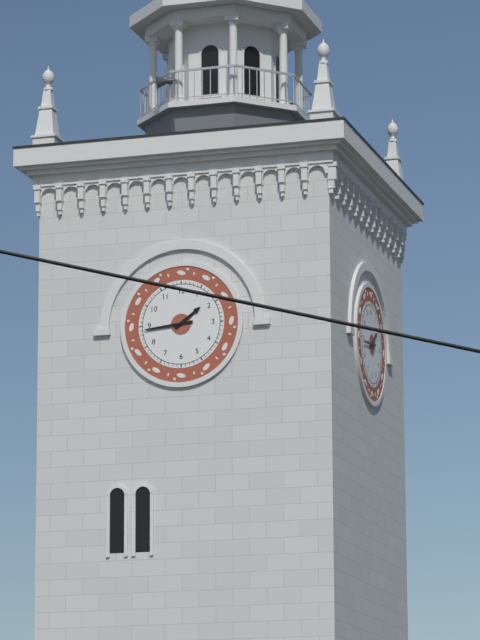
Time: {"hour": 1, "minute": 44}
